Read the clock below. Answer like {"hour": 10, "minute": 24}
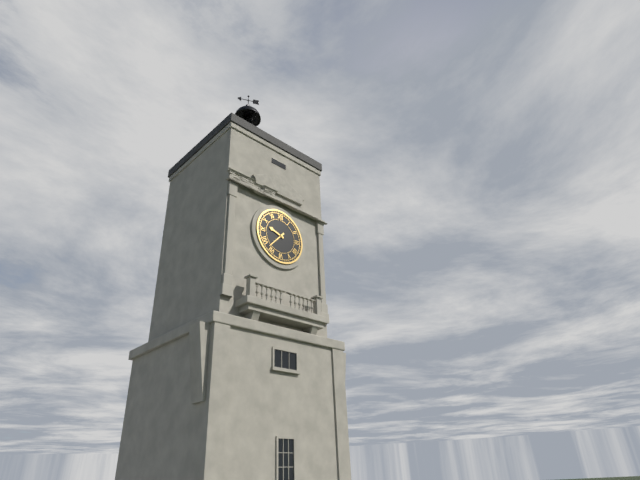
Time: {"hour": 9, "minute": 37}
